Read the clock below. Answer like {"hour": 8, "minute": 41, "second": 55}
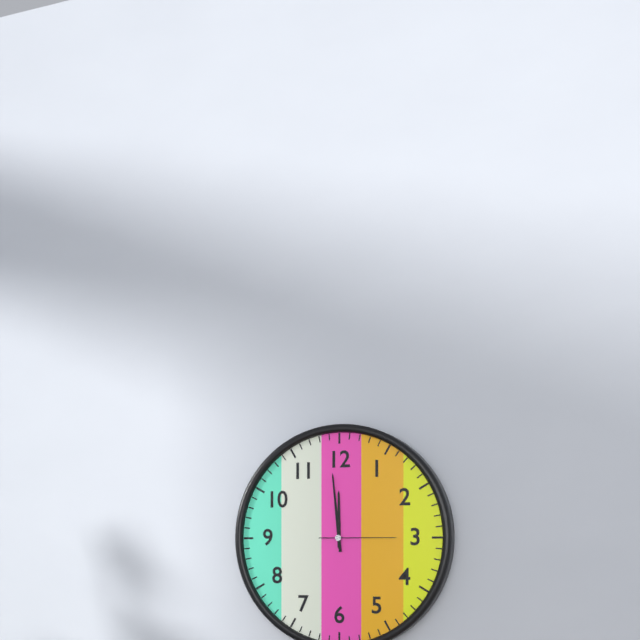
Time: {"hour": 11, "minute": 59, "second": 15}
